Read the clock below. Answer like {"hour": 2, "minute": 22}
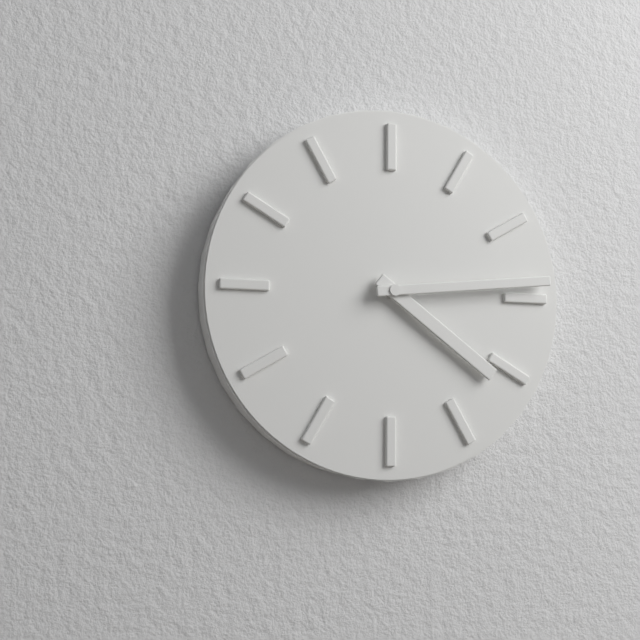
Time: {"hour": 4, "minute": 14}
